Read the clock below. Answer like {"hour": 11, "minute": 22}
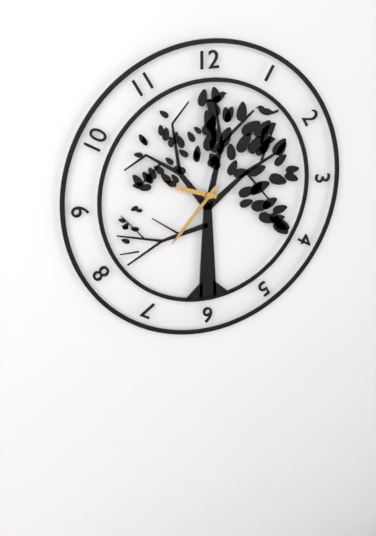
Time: {"hour": 9, "minute": 37}
